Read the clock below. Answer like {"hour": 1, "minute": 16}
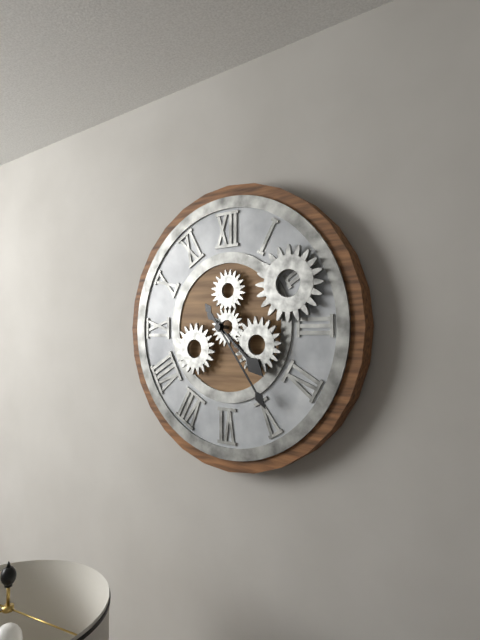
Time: {"hour": 4, "minute": 24}
